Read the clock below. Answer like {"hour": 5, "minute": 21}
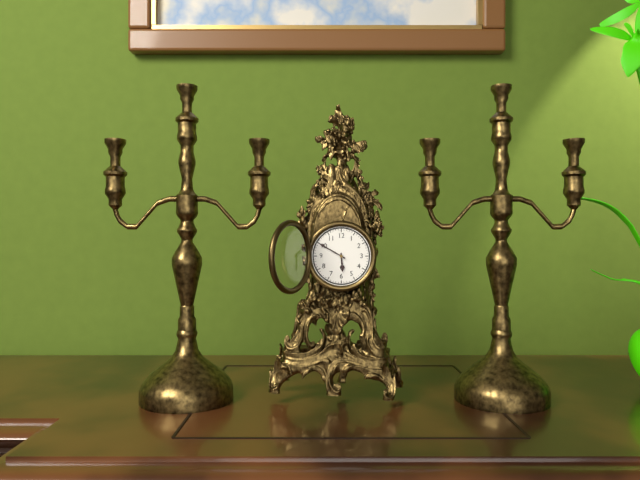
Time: {"hour": 5, "minute": 50}
